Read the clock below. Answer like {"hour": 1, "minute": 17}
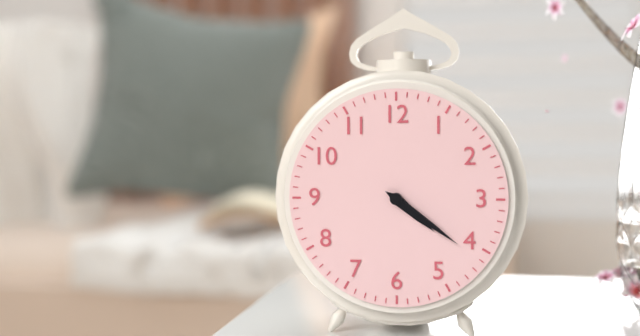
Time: {"hour": 4, "minute": 21}
